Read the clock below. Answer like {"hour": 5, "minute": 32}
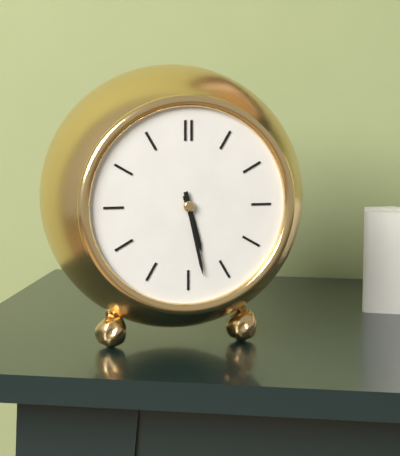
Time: {"hour": 5, "minute": 28}
